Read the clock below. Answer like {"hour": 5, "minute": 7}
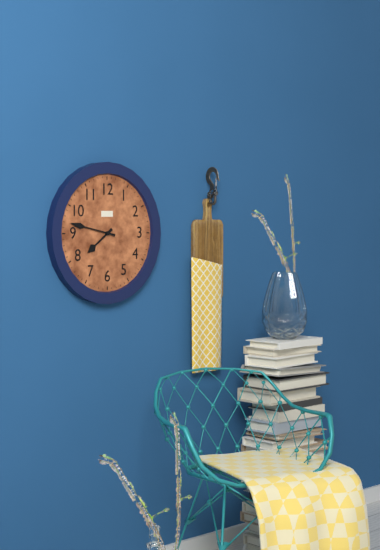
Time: {"hour": 7, "minute": 47}
